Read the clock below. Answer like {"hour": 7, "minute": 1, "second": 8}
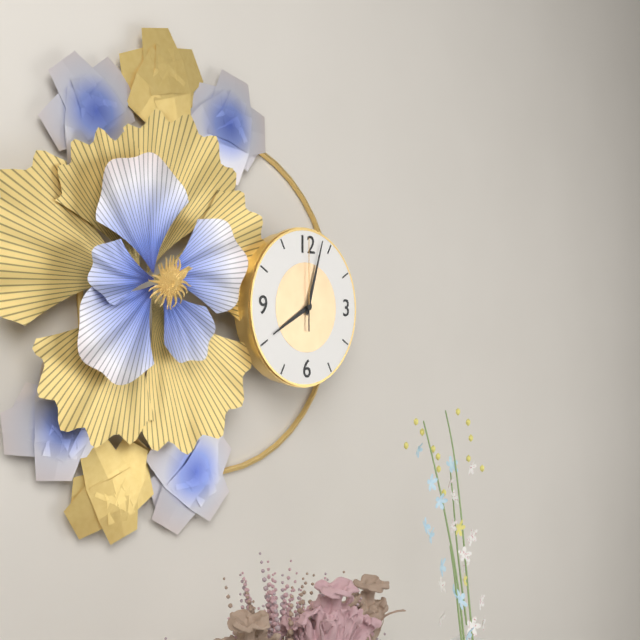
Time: {"hour": 8, "minute": 3, "second": 0}
